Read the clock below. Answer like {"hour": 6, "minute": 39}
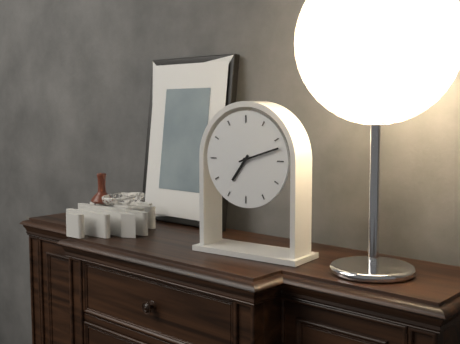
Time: {"hour": 7, "minute": 12}
